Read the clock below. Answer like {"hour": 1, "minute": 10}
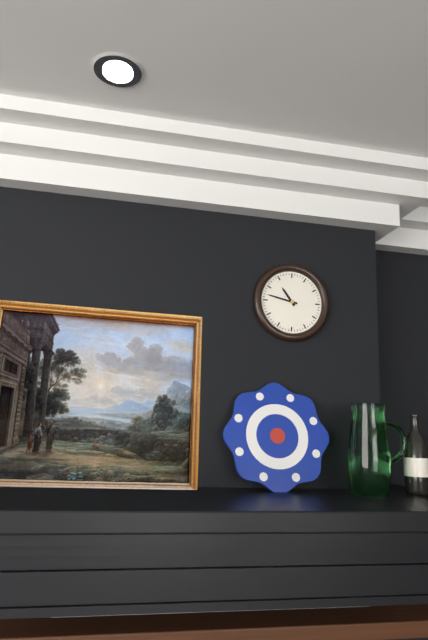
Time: {"hour": 10, "minute": 47}
